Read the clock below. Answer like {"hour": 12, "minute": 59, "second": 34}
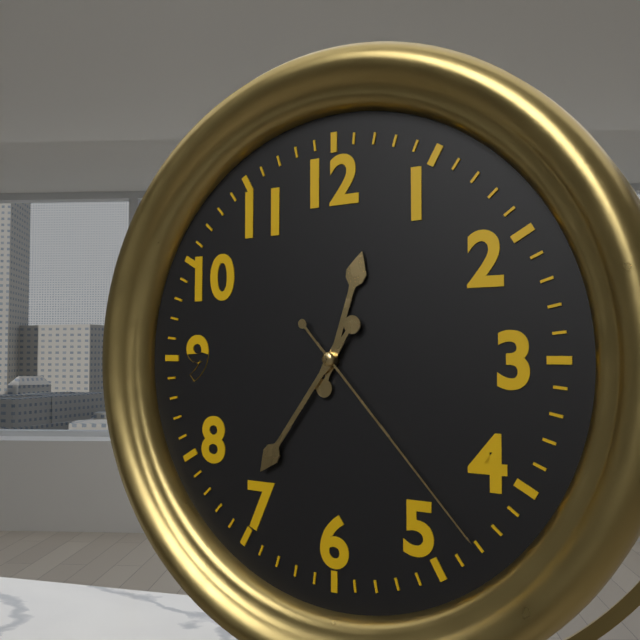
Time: {"hour": 12, "minute": 36, "second": 23}
